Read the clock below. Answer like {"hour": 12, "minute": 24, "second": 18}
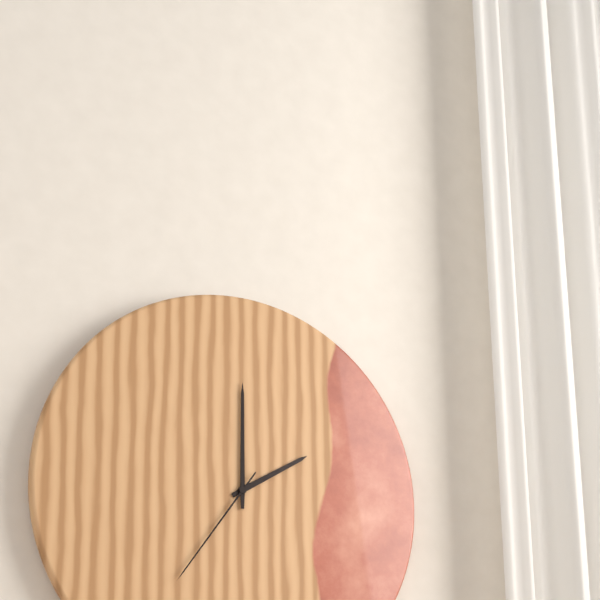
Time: {"hour": 2, "minute": 0, "second": 36}
